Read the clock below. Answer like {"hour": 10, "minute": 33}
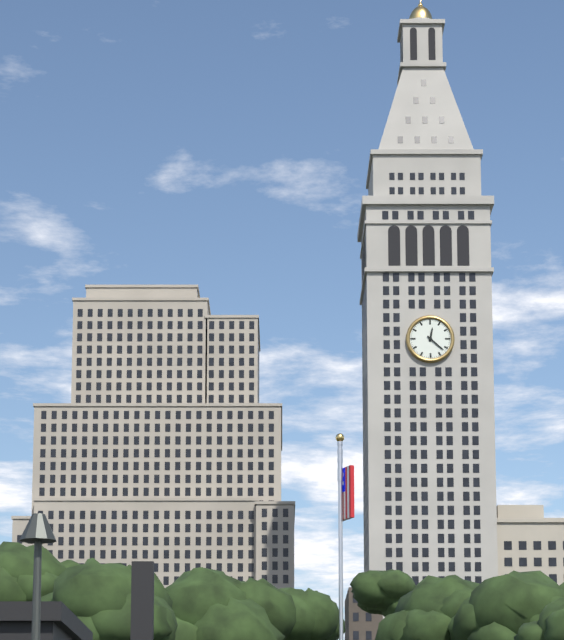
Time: {"hour": 12, "minute": 22}
